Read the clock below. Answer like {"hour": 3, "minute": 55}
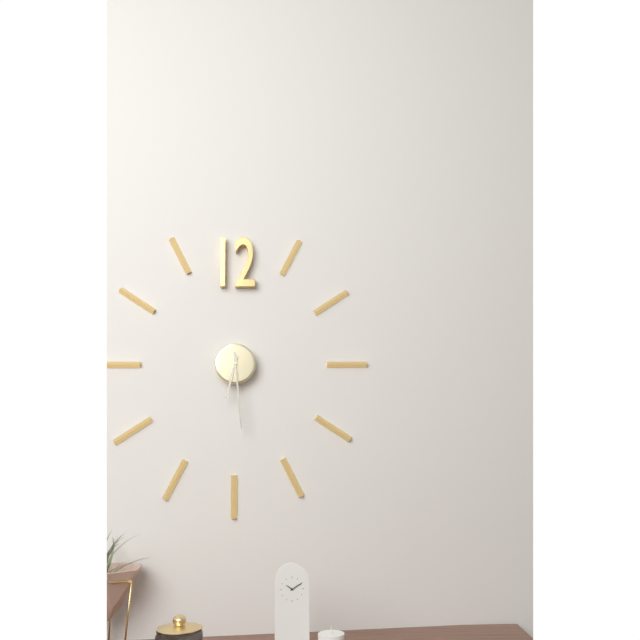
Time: {"hour": 6, "minute": 29}
